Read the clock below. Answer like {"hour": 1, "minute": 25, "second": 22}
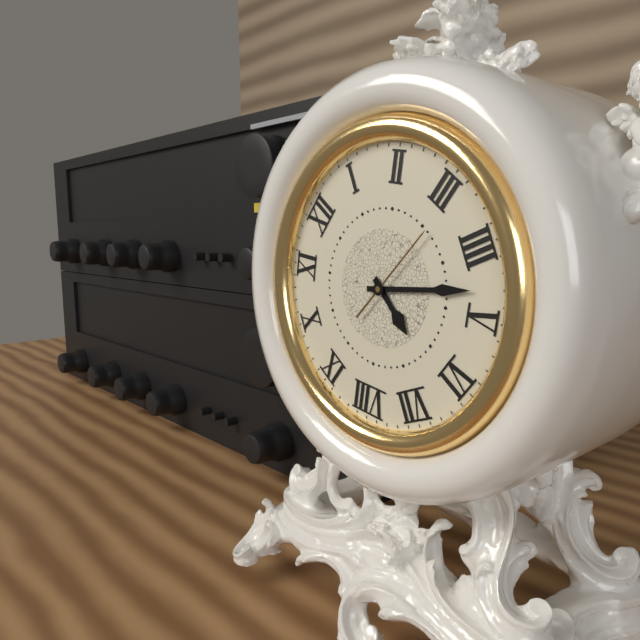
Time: {"hour": 6, "minute": 23, "second": 16}
